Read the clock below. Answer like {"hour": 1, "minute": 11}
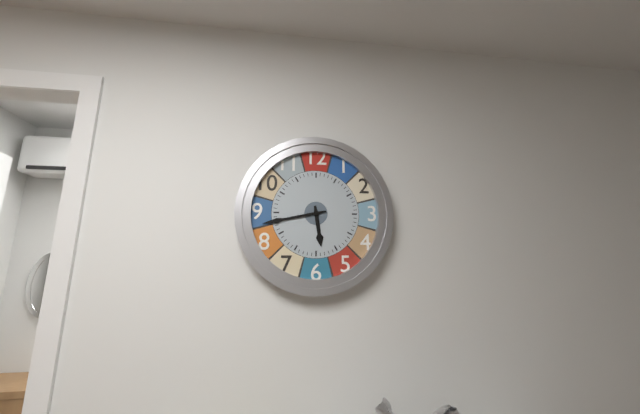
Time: {"hour": 5, "minute": 43}
